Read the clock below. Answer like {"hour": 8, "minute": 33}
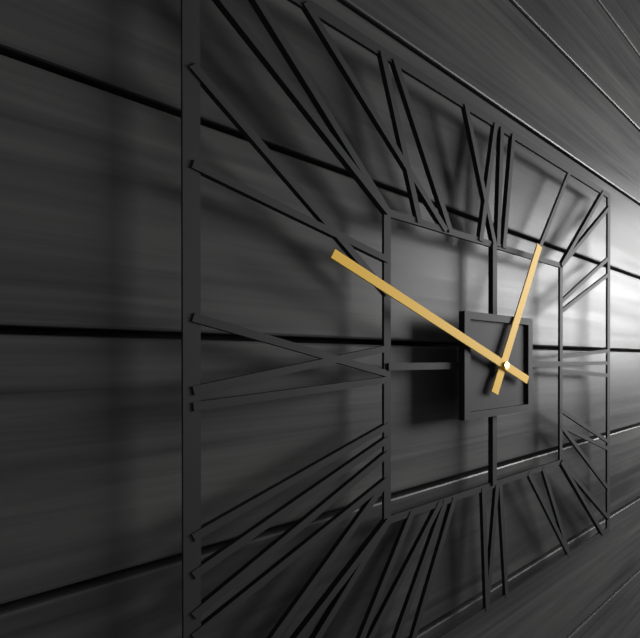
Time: {"hour": 12, "minute": 49}
